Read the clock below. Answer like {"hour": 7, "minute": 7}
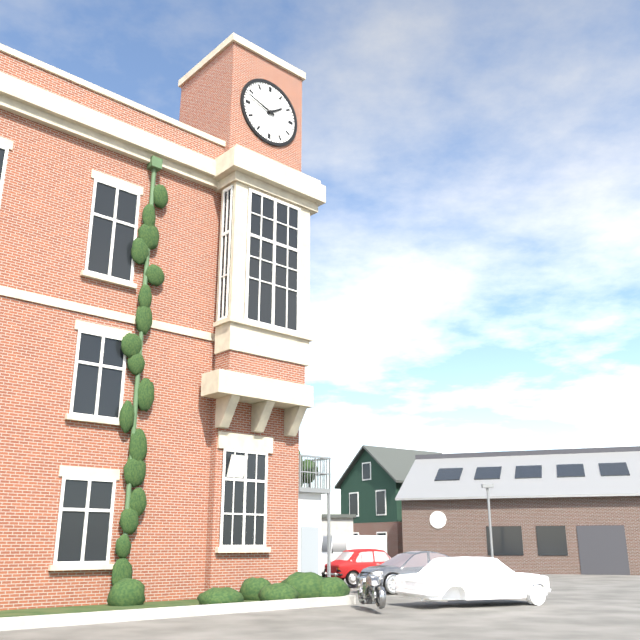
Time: {"hour": 1, "minute": 48}
